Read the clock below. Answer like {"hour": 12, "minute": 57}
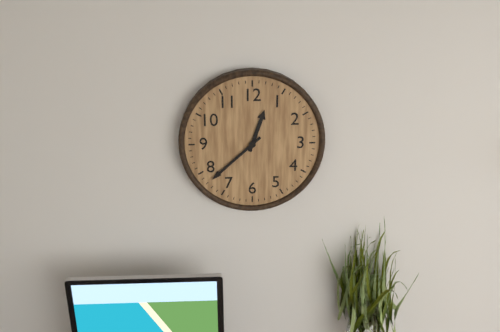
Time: {"hour": 12, "minute": 38}
